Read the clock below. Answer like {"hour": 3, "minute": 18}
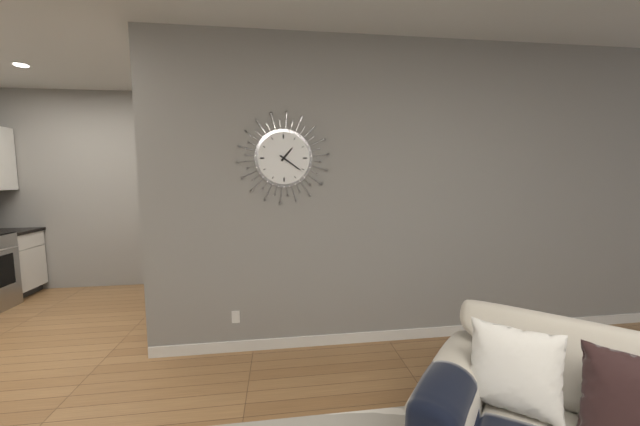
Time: {"hour": 1, "minute": 21}
